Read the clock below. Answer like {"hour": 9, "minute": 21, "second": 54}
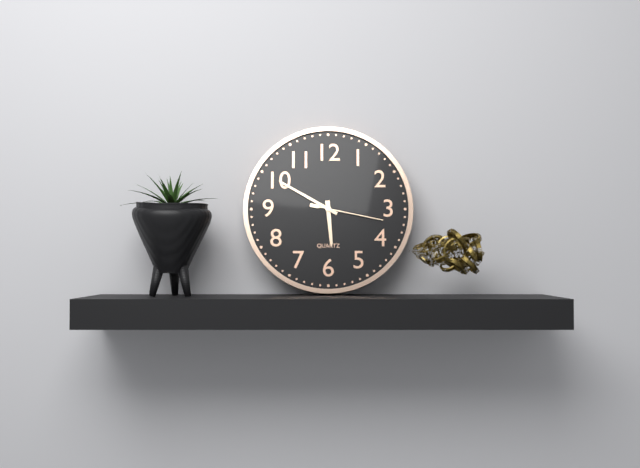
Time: {"hour": 5, "minute": 50, "second": 17}
